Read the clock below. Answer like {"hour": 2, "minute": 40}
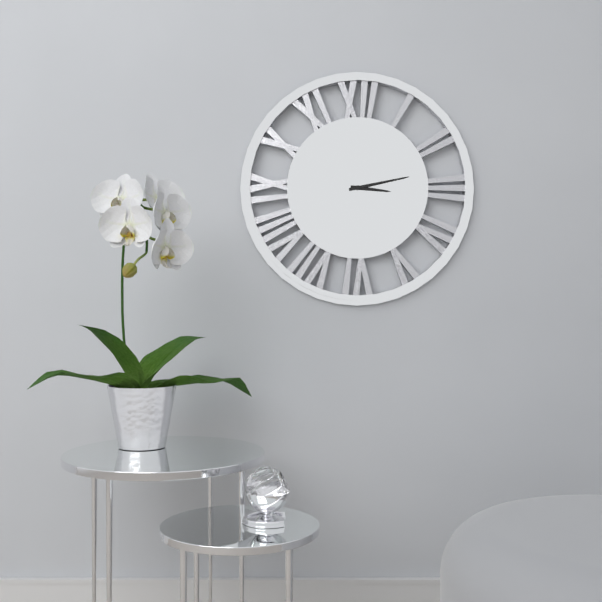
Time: {"hour": 3, "minute": 13}
